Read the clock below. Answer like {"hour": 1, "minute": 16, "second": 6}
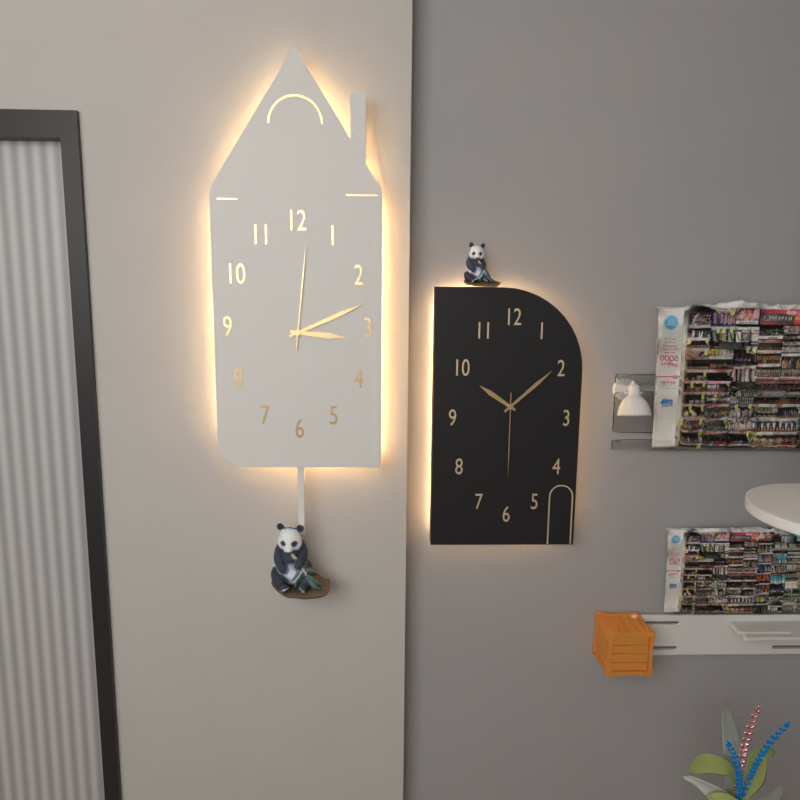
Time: {"hour": 3, "minute": 11, "second": 1}
